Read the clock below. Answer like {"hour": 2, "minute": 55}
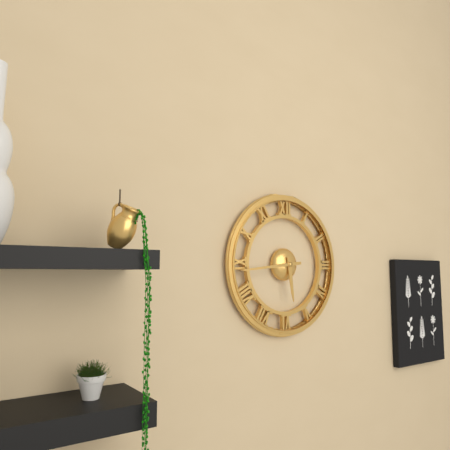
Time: {"hour": 5, "minute": 44}
